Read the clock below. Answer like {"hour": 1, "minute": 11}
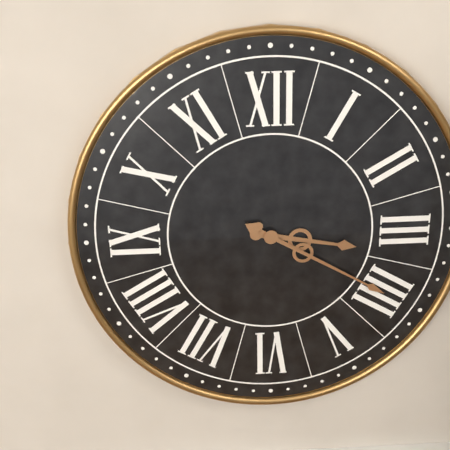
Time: {"hour": 3, "minute": 20}
